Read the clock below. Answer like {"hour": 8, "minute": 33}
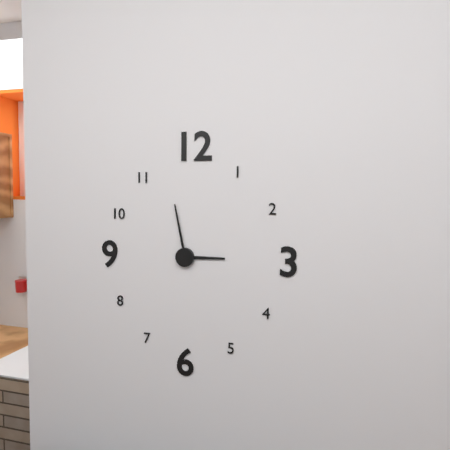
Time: {"hour": 2, "minute": 58}
